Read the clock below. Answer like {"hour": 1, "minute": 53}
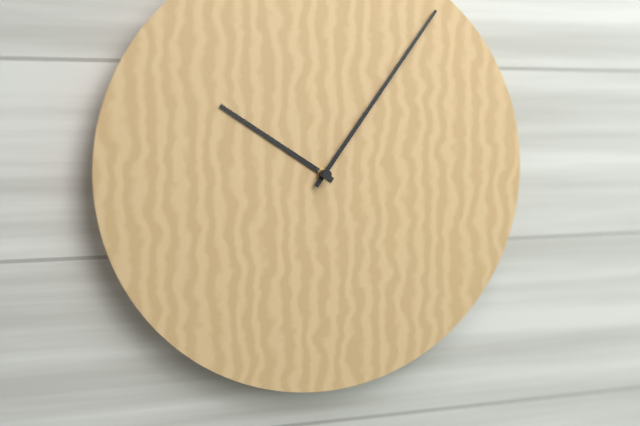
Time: {"hour": 10, "minute": 6}
